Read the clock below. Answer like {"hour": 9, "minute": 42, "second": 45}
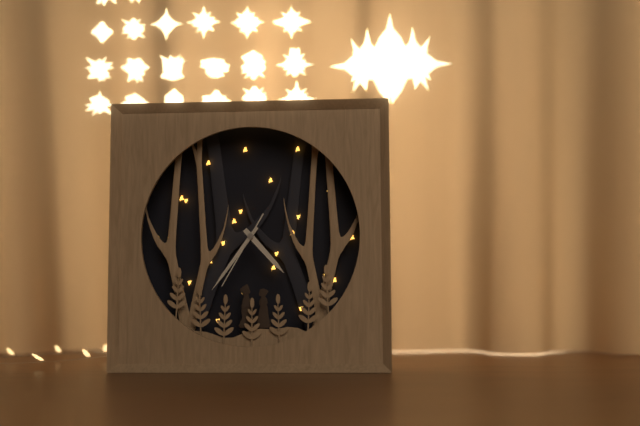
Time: {"hour": 4, "minute": 36, "second": 35}
